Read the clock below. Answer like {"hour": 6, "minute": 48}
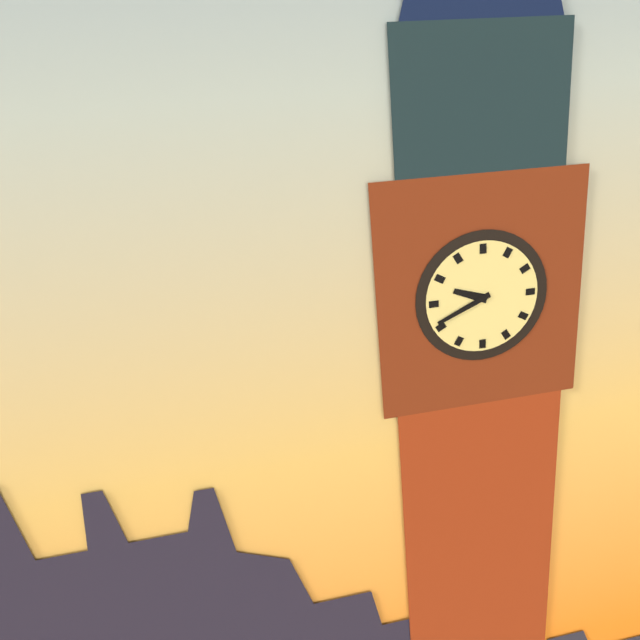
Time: {"hour": 9, "minute": 41}
